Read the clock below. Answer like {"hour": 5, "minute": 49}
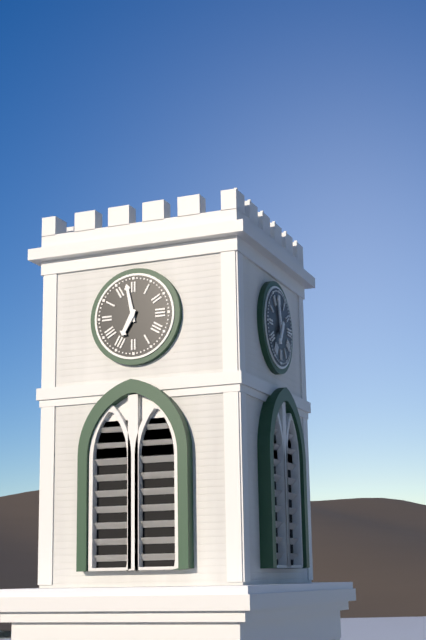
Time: {"hour": 6, "minute": 58}
